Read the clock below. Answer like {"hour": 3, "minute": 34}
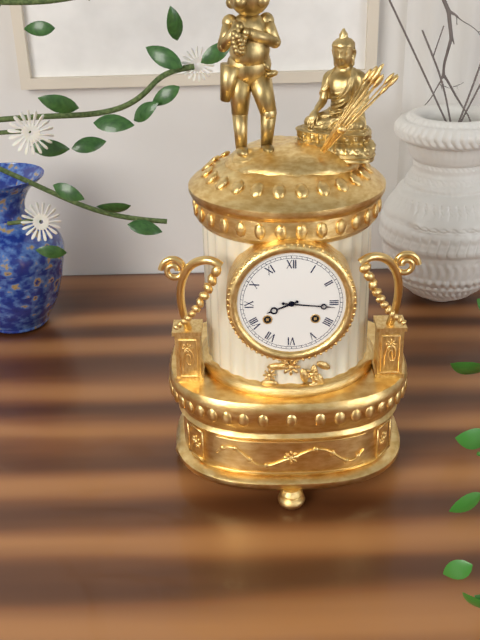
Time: {"hour": 8, "minute": 16}
